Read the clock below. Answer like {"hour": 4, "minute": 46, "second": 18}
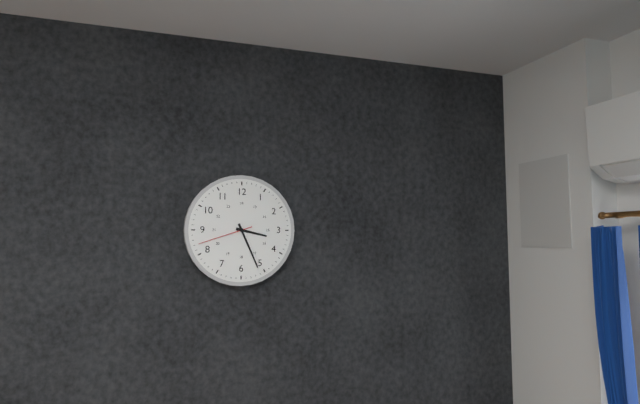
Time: {"hour": 3, "minute": 26, "second": 42}
